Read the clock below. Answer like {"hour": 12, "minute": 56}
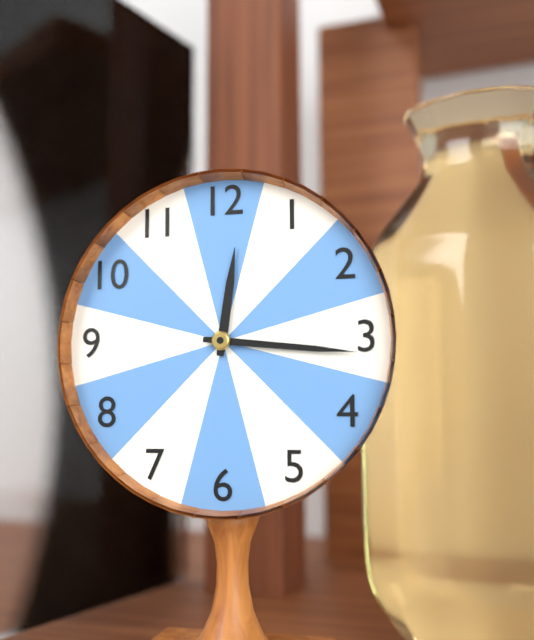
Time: {"hour": 12, "minute": 16}
